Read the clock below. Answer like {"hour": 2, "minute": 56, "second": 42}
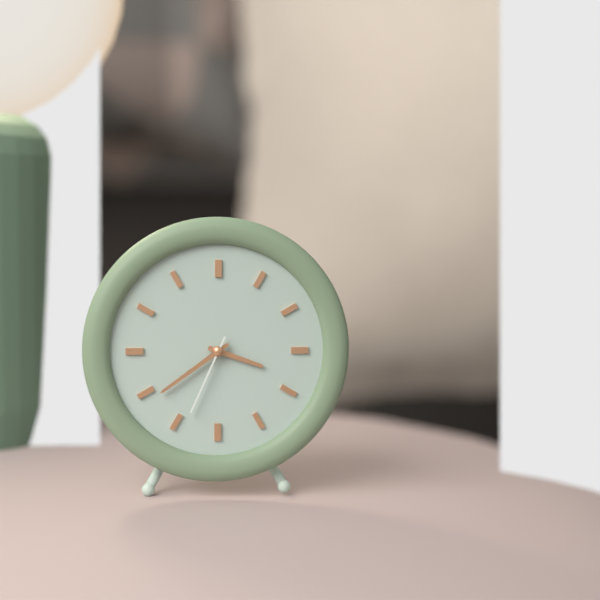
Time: {"hour": 3, "minute": 39, "second": 34}
